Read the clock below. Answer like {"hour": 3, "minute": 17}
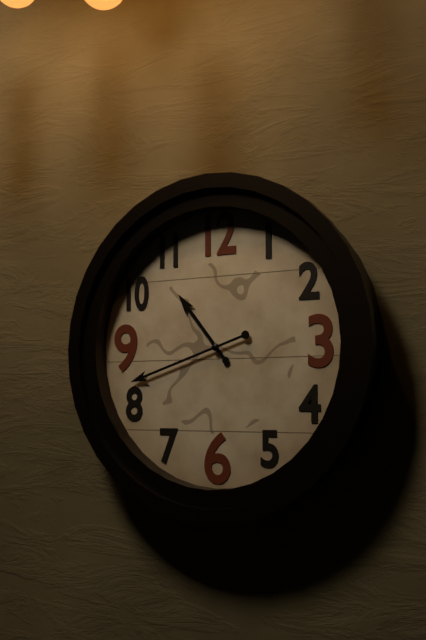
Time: {"hour": 10, "minute": 42}
